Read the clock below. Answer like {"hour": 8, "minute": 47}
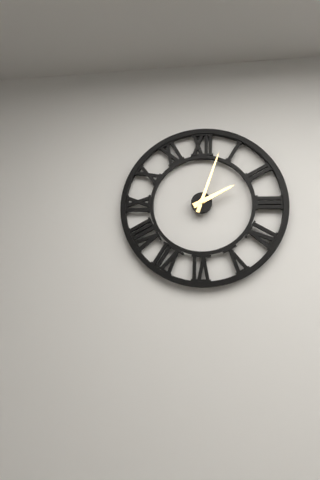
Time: {"hour": 2, "minute": 3}
